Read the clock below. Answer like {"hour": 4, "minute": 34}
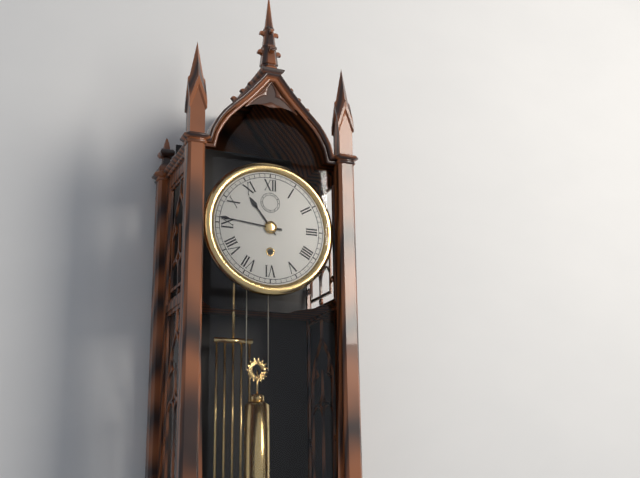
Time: {"hour": 10, "minute": 46}
